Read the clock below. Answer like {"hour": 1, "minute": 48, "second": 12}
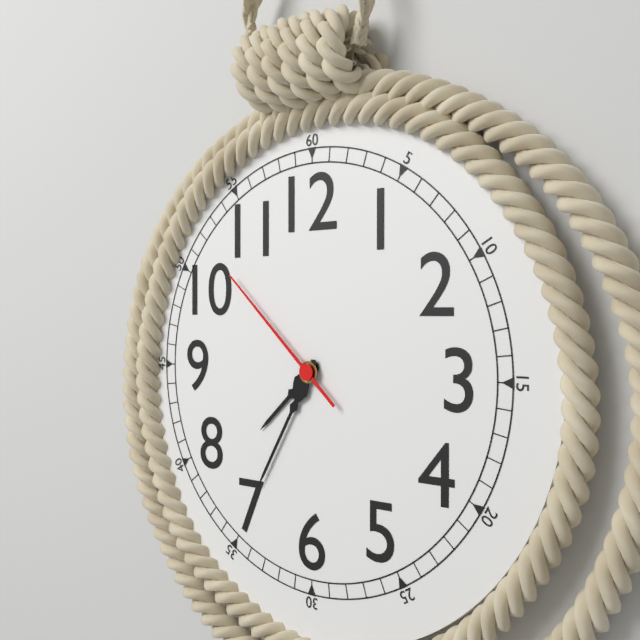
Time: {"hour": 7, "minute": 35, "second": 52}
